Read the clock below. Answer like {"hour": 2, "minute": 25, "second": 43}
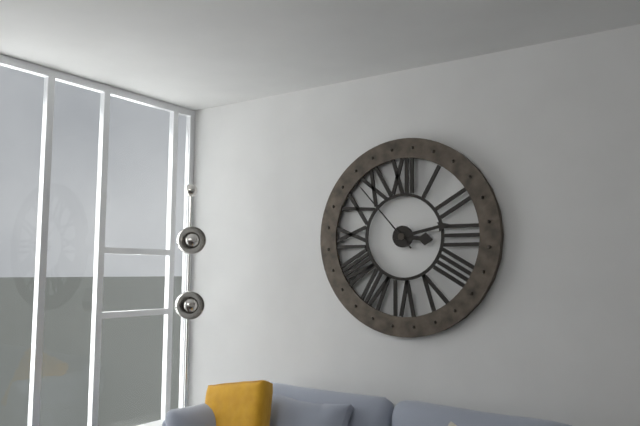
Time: {"hour": 3, "minute": 13, "second": 53}
